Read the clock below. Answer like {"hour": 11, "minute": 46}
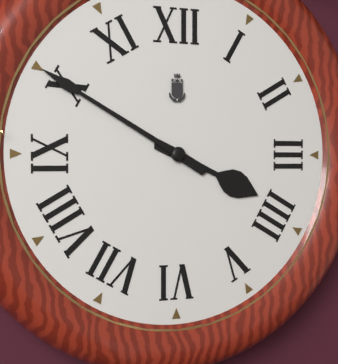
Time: {"hour": 3, "minute": 50}
